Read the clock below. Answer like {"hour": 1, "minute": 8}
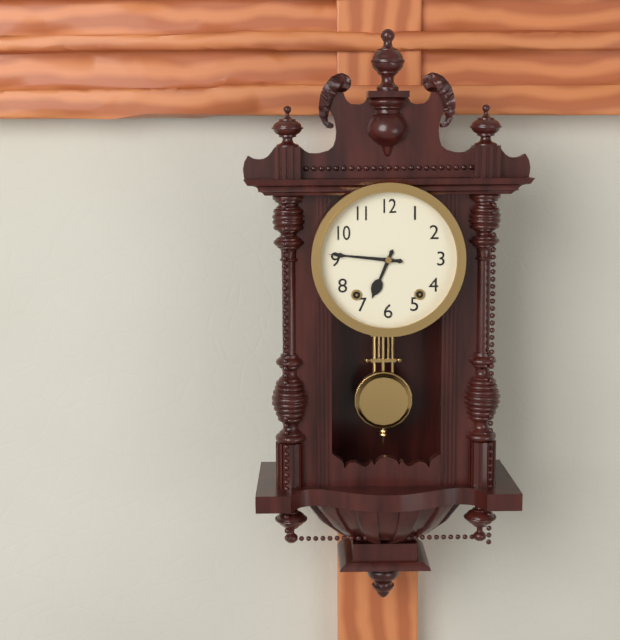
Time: {"hour": 6, "minute": 46}
